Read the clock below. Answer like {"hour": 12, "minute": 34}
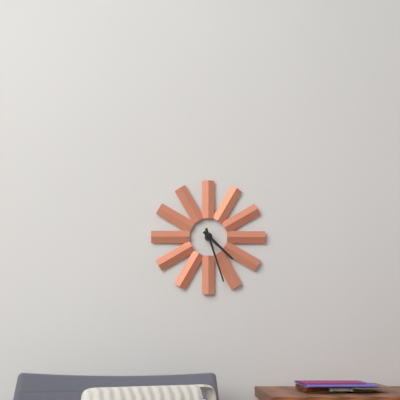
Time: {"hour": 4, "minute": 27}
